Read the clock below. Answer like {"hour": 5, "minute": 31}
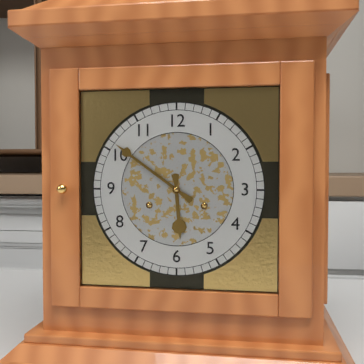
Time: {"hour": 5, "minute": 51}
